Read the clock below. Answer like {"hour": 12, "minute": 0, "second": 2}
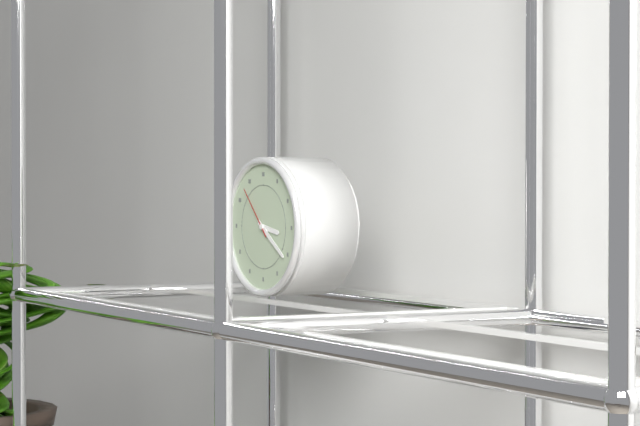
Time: {"hour": 3, "minute": 21, "second": 53}
